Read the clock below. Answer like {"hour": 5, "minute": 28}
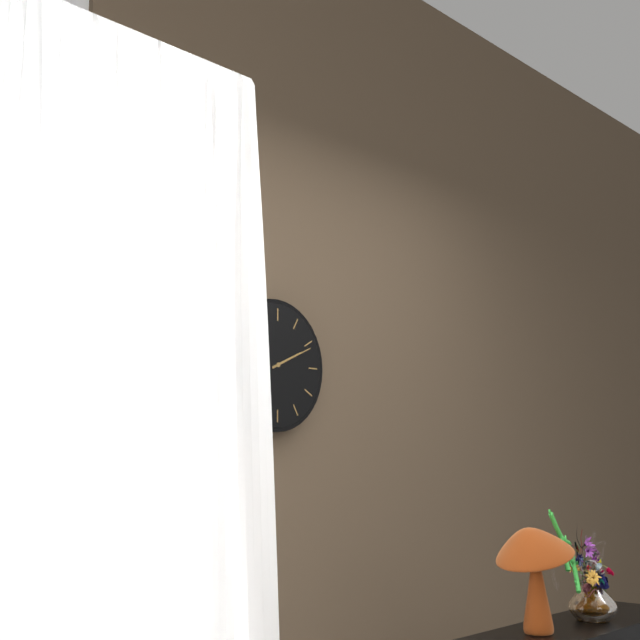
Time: {"hour": 2, "minute": 11}
